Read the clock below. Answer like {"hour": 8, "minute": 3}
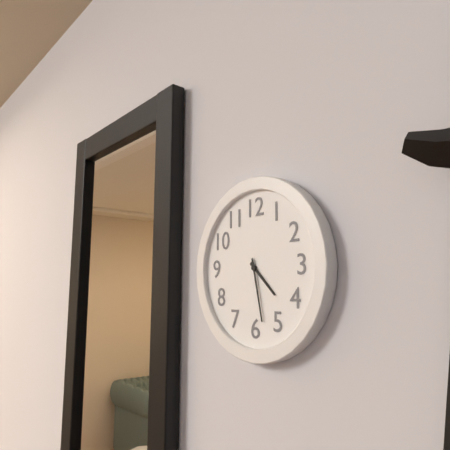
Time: {"hour": 4, "minute": 28}
